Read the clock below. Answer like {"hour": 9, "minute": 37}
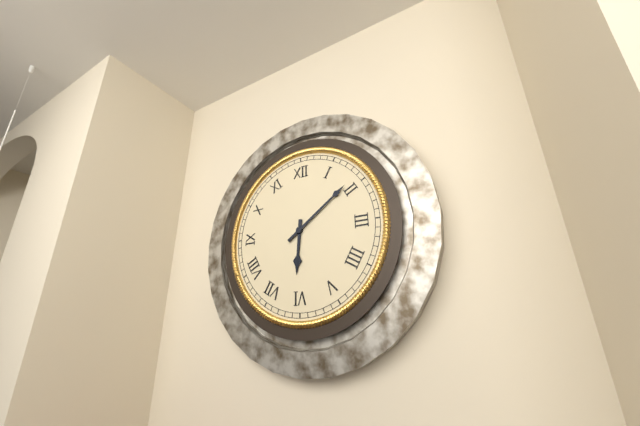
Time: {"hour": 6, "minute": 9}
